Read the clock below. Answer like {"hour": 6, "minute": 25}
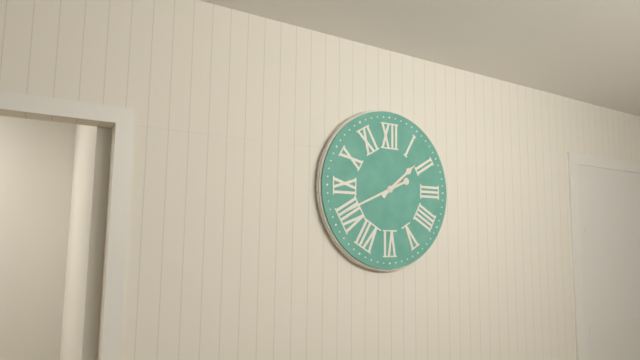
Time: {"hour": 1, "minute": 41}
